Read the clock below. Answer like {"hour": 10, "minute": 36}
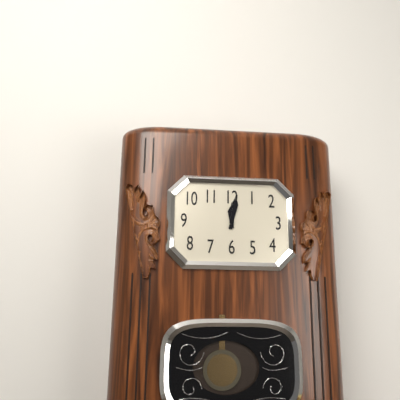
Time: {"hour": 12, "minute": 2}
